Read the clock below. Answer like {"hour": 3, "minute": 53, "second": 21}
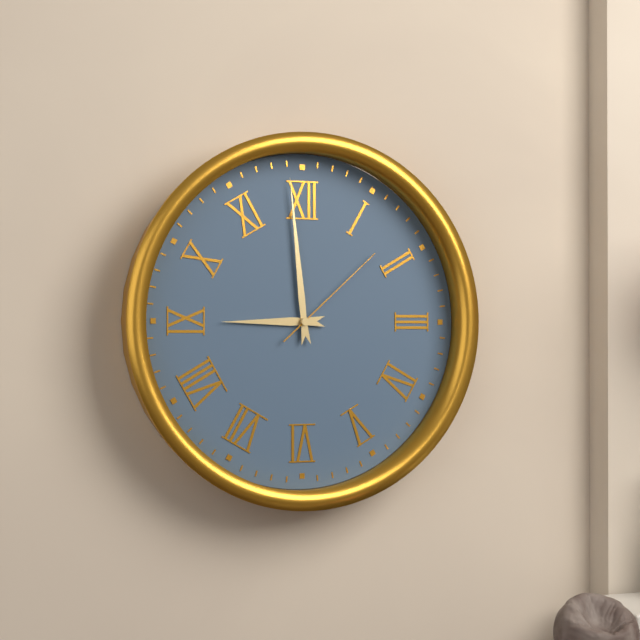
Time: {"hour": 8, "minute": 59, "second": 8}
